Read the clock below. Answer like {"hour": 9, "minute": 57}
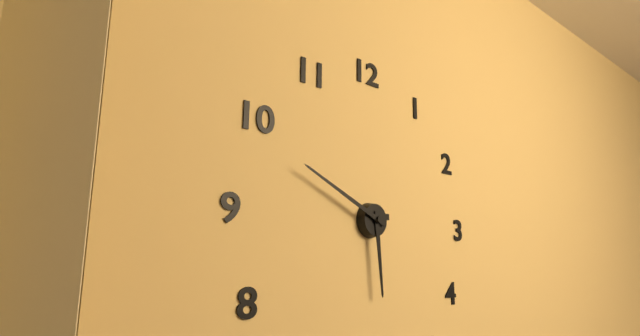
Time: {"hour": 5, "minute": 49}
